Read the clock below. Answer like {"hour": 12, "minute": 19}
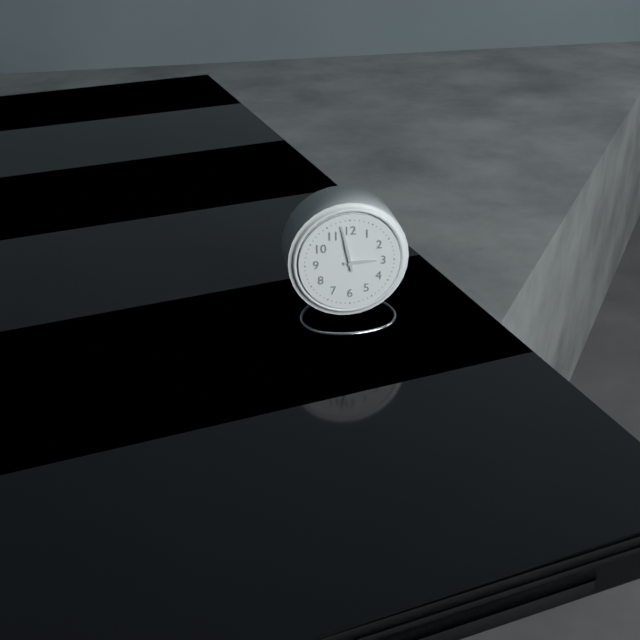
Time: {"hour": 2, "minute": 58}
